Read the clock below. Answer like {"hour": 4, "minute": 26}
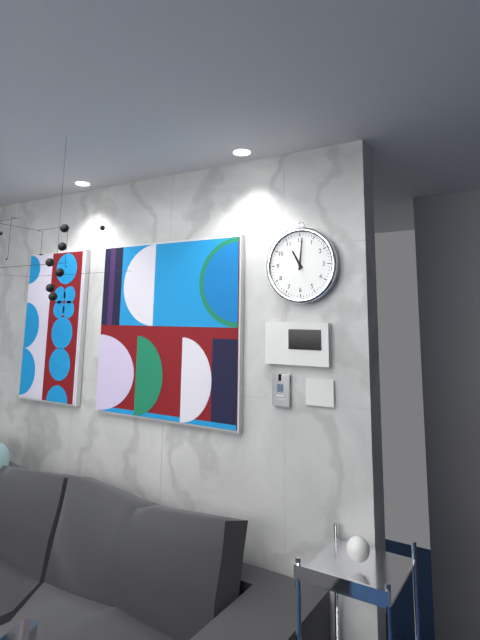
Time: {"hour": 11, "minute": 1}
